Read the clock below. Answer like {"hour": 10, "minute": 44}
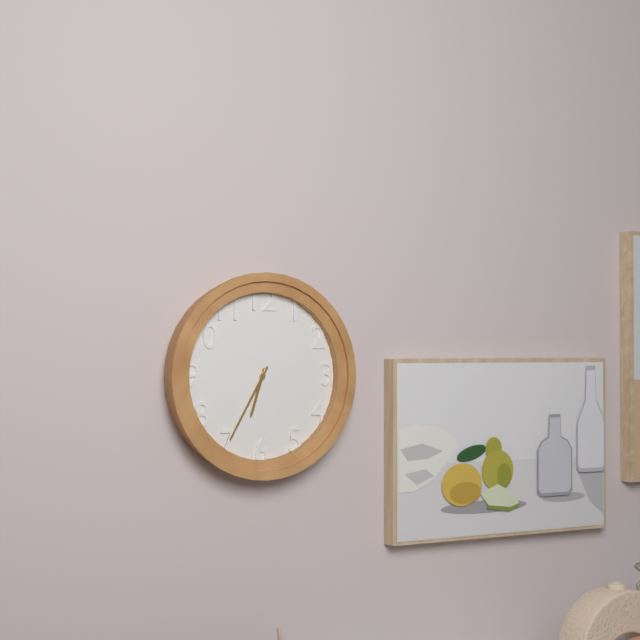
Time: {"hour": 6, "minute": 35}
